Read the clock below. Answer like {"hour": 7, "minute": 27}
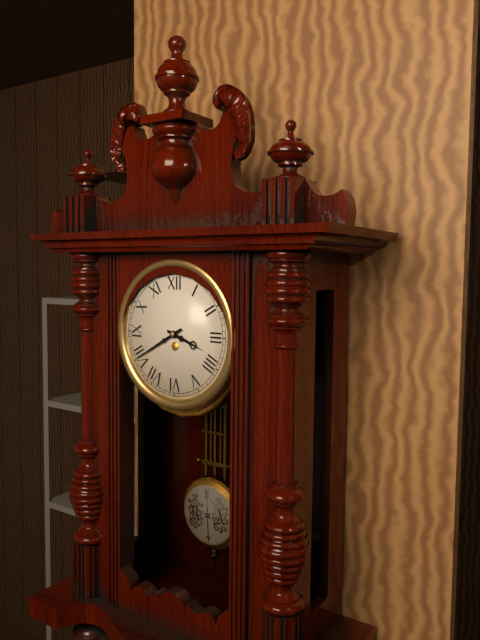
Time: {"hour": 3, "minute": 40}
